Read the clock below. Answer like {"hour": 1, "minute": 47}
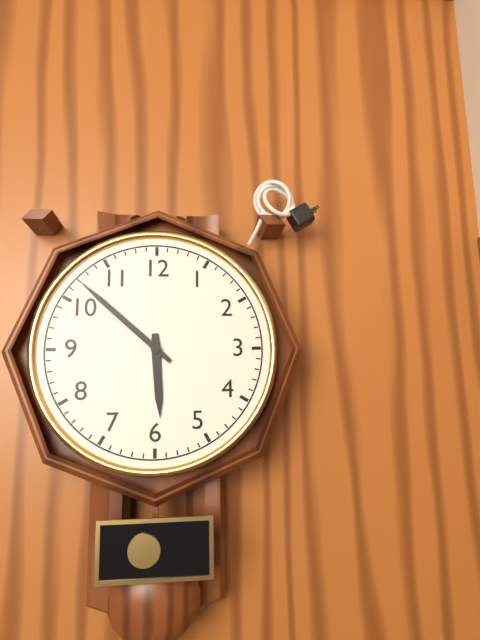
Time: {"hour": 5, "minute": 52}
